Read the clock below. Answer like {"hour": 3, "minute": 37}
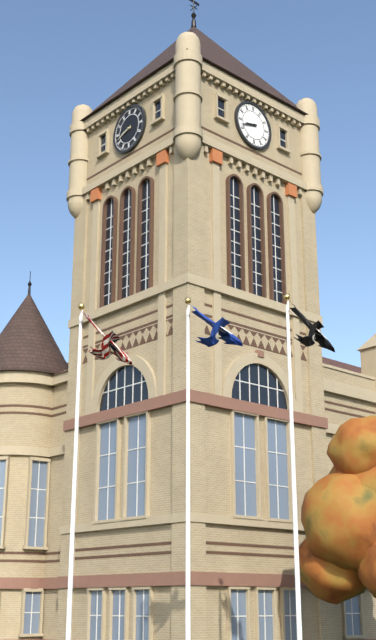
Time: {"hour": 8, "minute": 42}
